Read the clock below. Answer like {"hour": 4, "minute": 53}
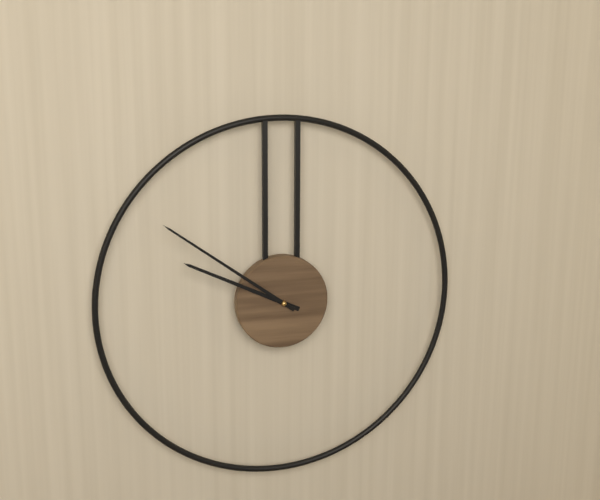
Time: {"hour": 9, "minute": 51}
